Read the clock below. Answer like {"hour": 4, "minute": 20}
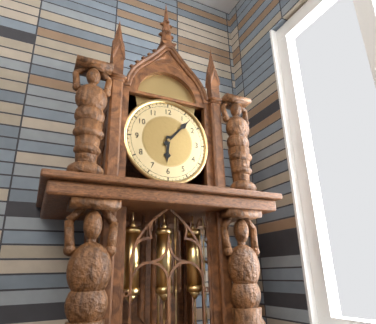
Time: {"hour": 6, "minute": 7}
